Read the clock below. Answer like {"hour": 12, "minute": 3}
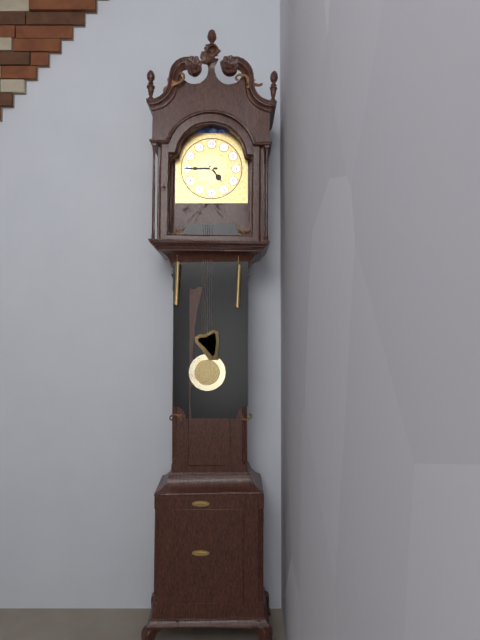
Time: {"hour": 4, "minute": 45}
